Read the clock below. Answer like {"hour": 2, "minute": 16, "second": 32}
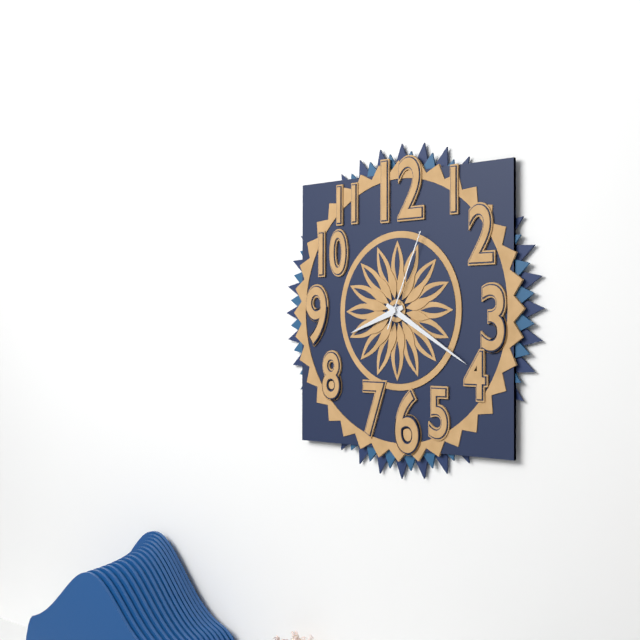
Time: {"hour": 8, "minute": 20, "second": 4}
